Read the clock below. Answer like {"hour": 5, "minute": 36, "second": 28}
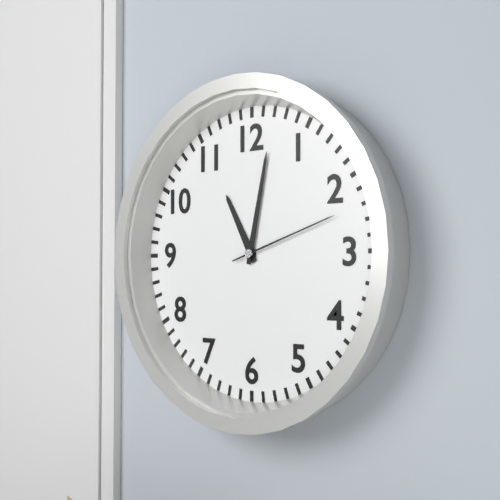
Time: {"hour": 11, "minute": 2, "second": 12}
